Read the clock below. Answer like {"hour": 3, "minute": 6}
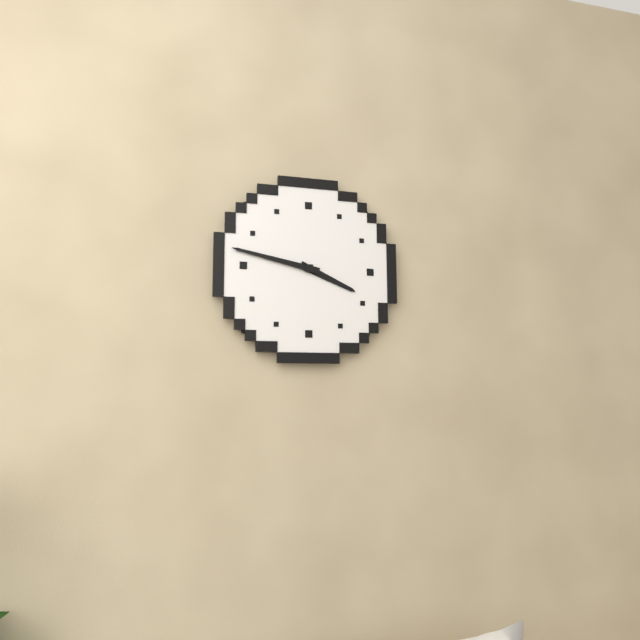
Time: {"hour": 3, "minute": 47}
